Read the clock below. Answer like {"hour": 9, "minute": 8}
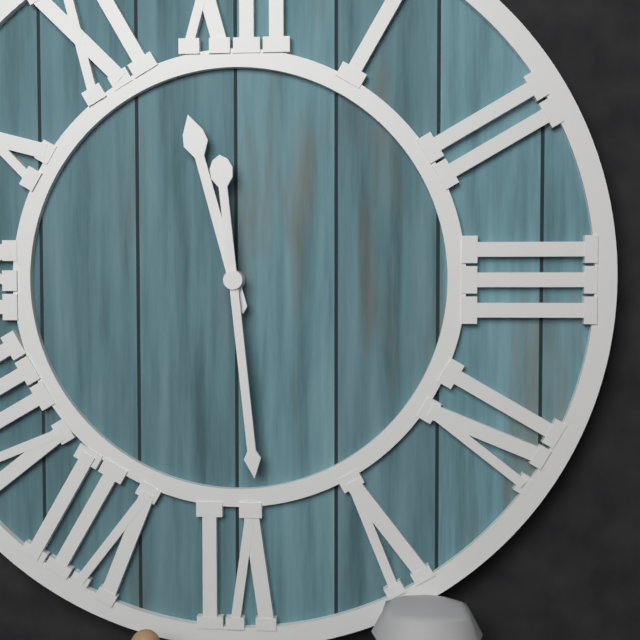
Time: {"hour": 11, "minute": 29}
